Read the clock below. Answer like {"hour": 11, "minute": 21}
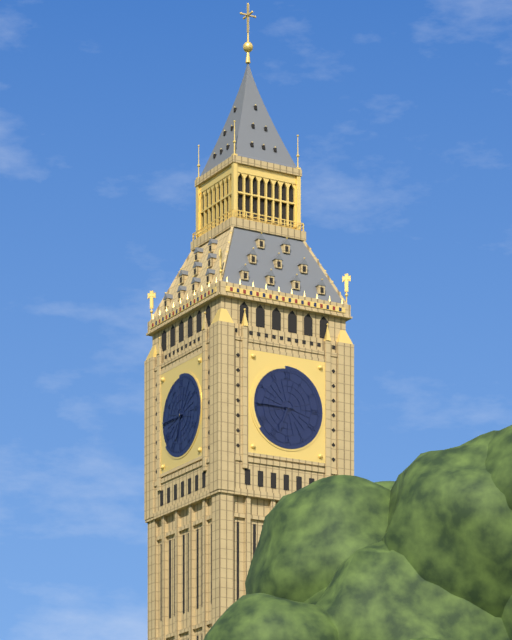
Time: {"hour": 6, "minute": 45}
